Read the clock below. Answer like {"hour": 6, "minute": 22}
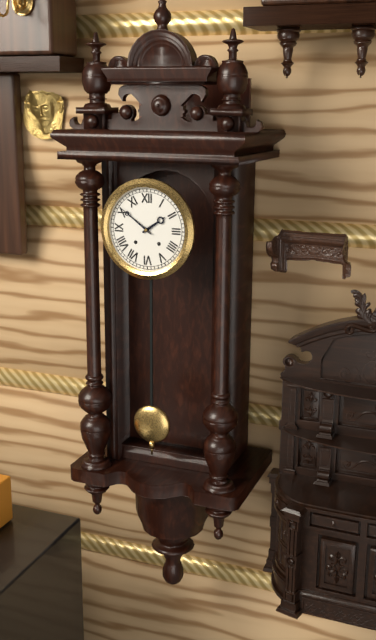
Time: {"hour": 1, "minute": 51}
